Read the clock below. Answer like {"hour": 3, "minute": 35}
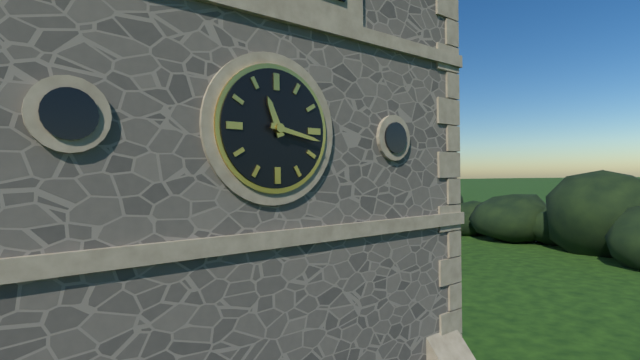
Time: {"hour": 11, "minute": 17}
